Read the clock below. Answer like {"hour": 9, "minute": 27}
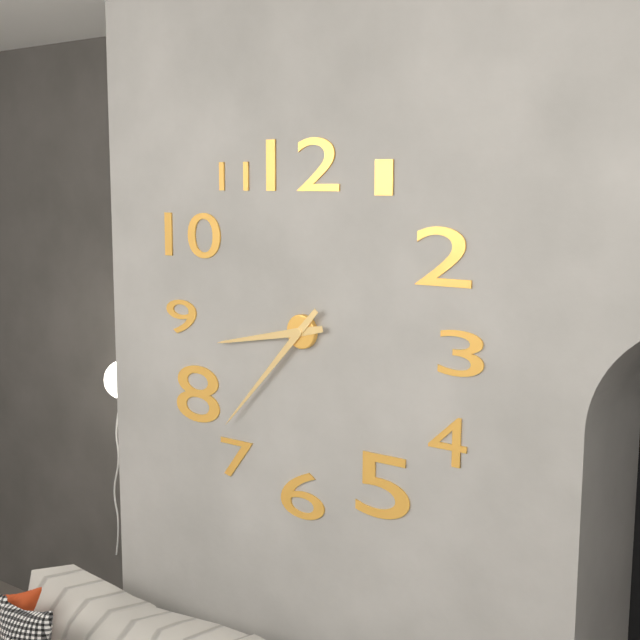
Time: {"hour": 8, "minute": 37}
